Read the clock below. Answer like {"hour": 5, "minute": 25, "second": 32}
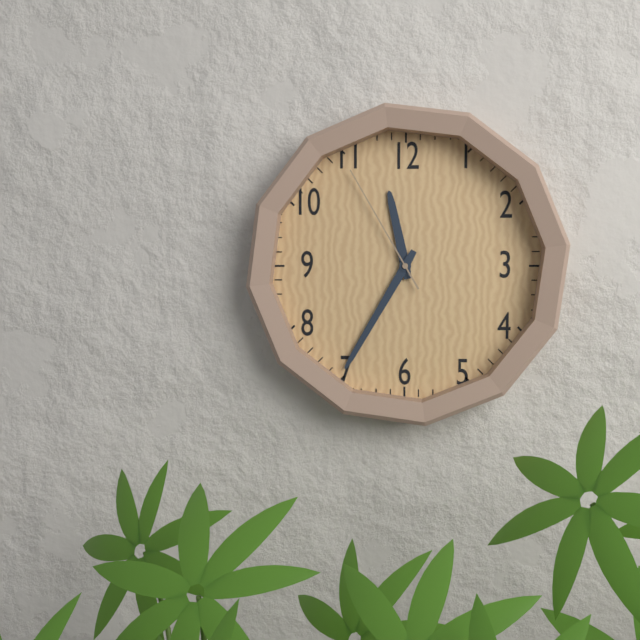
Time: {"hour": 11, "minute": 35, "second": 55}
